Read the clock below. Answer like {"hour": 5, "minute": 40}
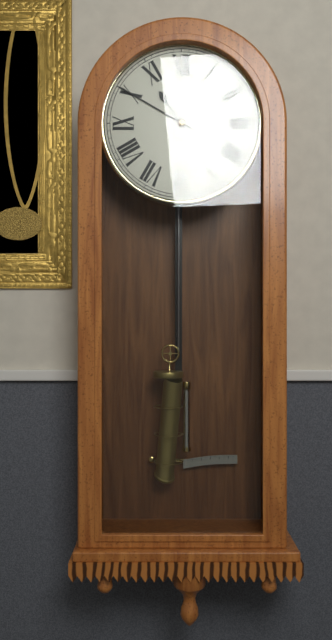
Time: {"hour": 10, "minute": 50}
